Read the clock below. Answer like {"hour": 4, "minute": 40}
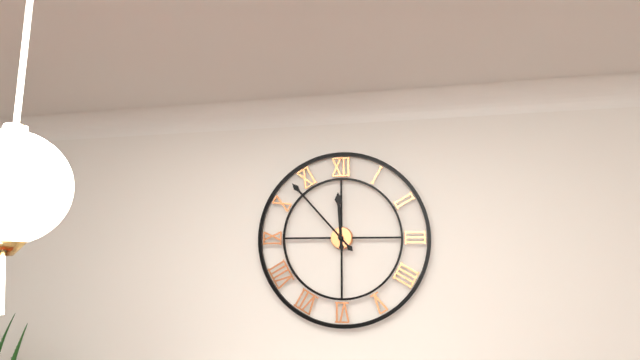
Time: {"hour": 11, "minute": 53}
